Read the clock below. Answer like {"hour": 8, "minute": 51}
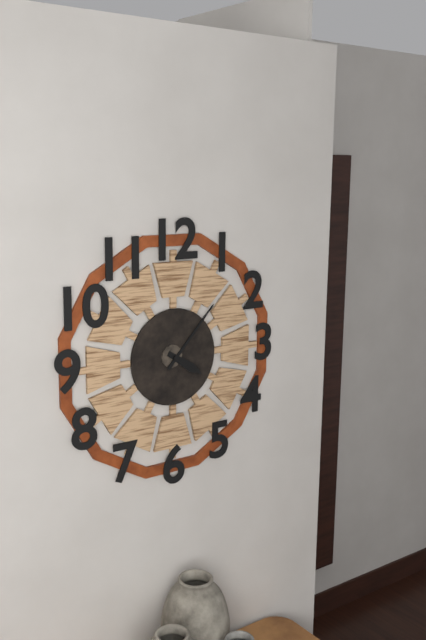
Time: {"hour": 4, "minute": 7}
